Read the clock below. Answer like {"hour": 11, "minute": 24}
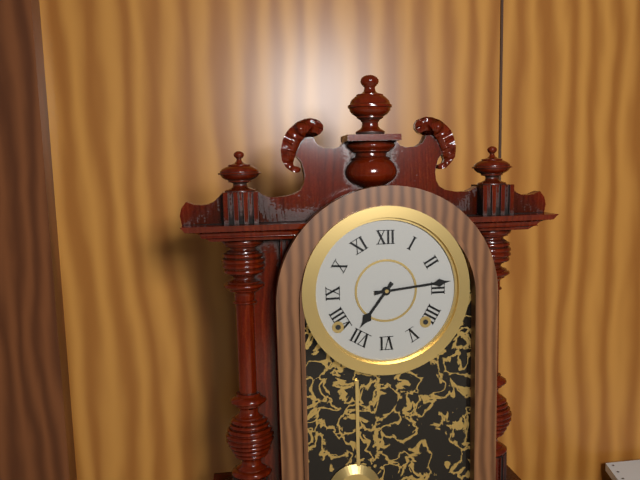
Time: {"hour": 7, "minute": 14}
